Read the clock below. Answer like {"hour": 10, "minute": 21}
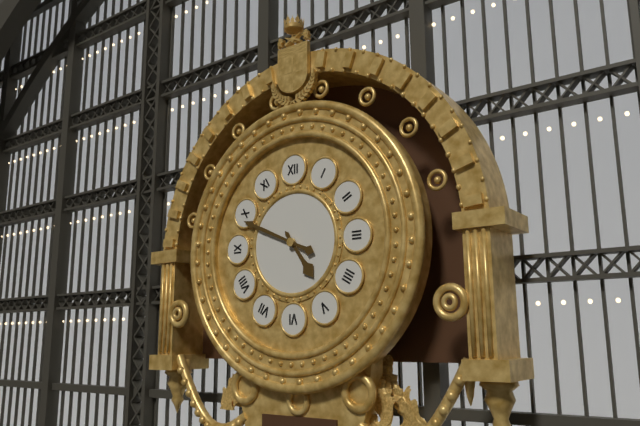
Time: {"hour": 4, "minute": 49}
